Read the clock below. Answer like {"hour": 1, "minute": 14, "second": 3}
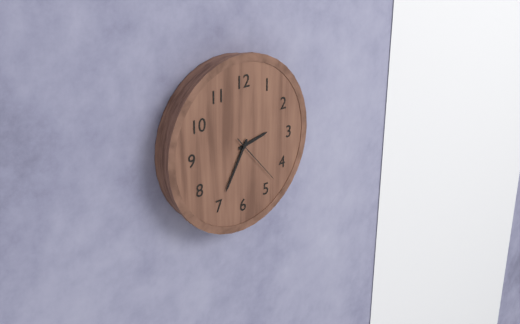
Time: {"hour": 2, "minute": 35, "second": 23}
